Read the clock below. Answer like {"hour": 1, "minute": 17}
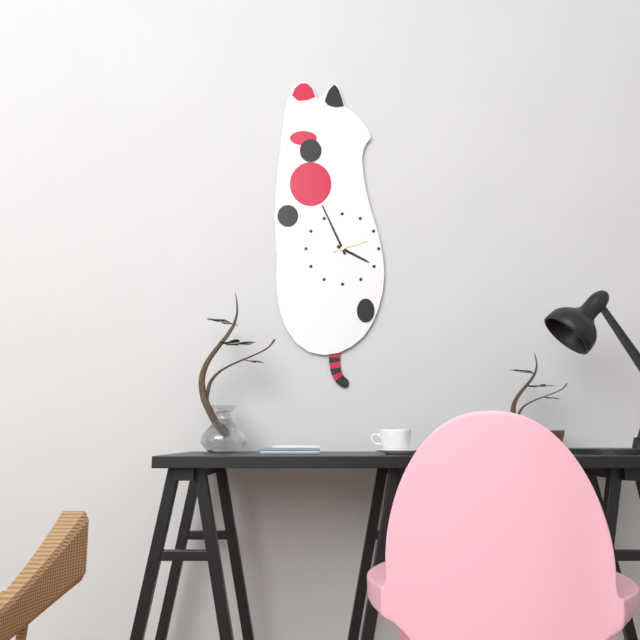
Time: {"hour": 3, "minute": 56}
